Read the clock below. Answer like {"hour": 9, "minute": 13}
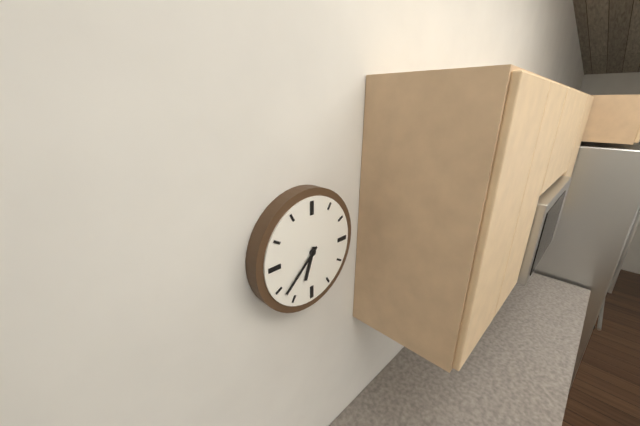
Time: {"hour": 6, "minute": 38}
